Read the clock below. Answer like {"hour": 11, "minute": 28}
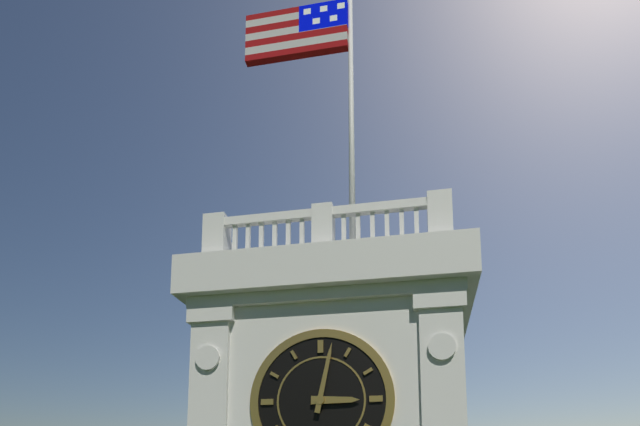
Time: {"hour": 3, "minute": 2}
